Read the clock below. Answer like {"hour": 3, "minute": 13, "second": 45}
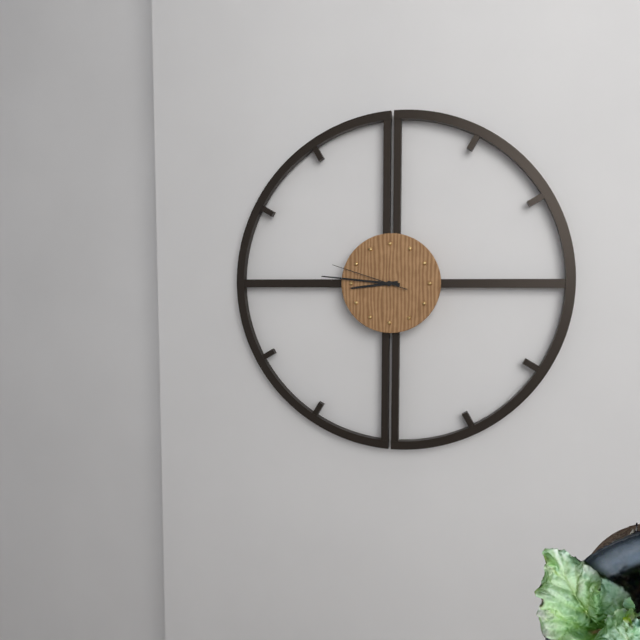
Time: {"hour": 8, "minute": 46, "second": 48}
